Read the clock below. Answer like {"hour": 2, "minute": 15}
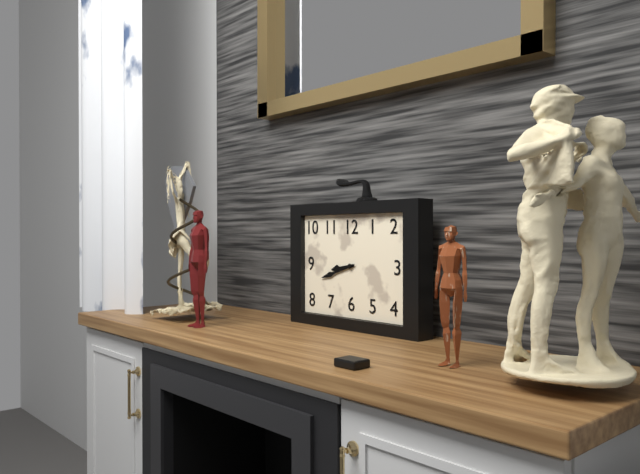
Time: {"hour": 8, "minute": 42}
